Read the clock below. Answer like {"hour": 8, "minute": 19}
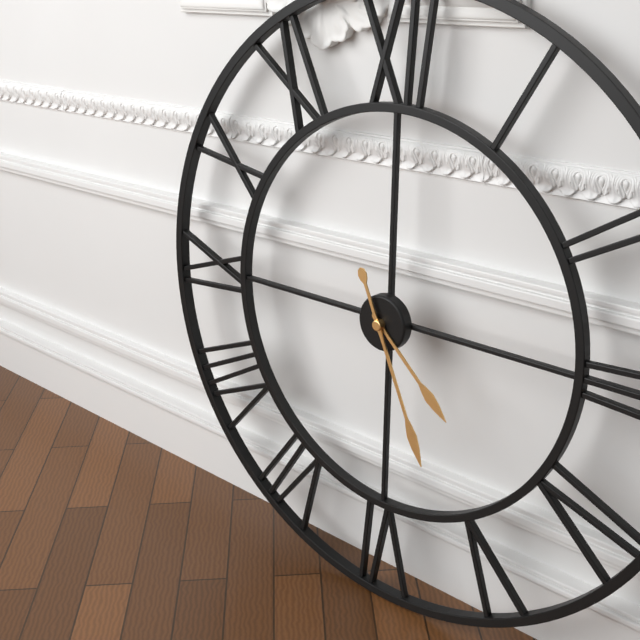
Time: {"hour": 4, "minute": 26}
